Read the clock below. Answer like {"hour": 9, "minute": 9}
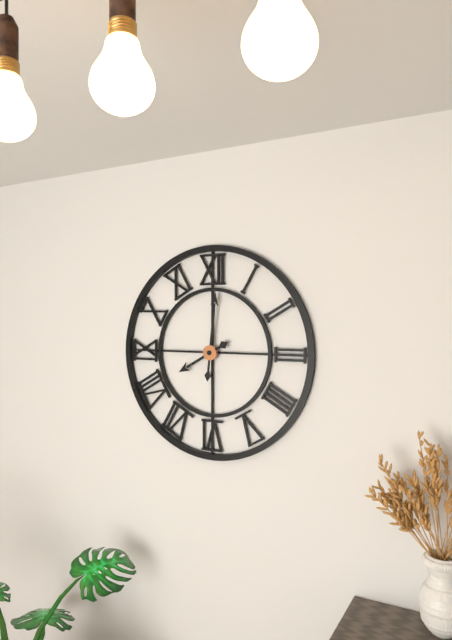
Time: {"hour": 8, "minute": 1}
